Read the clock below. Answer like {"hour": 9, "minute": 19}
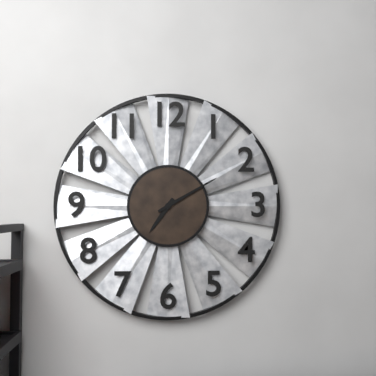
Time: {"hour": 7, "minute": 10}
